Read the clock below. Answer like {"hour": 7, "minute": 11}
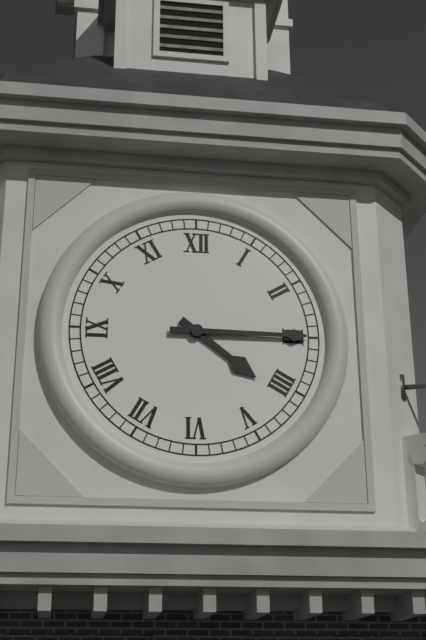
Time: {"hour": 4, "minute": 15}
